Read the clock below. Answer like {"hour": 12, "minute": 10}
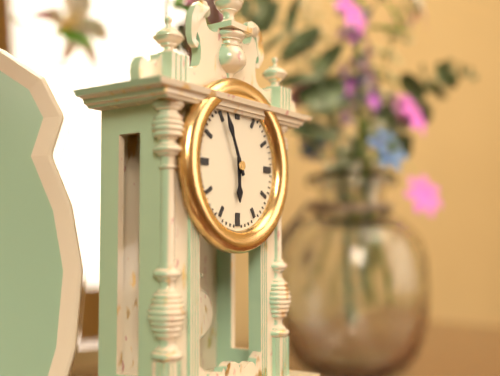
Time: {"hour": 5, "minute": 56}
